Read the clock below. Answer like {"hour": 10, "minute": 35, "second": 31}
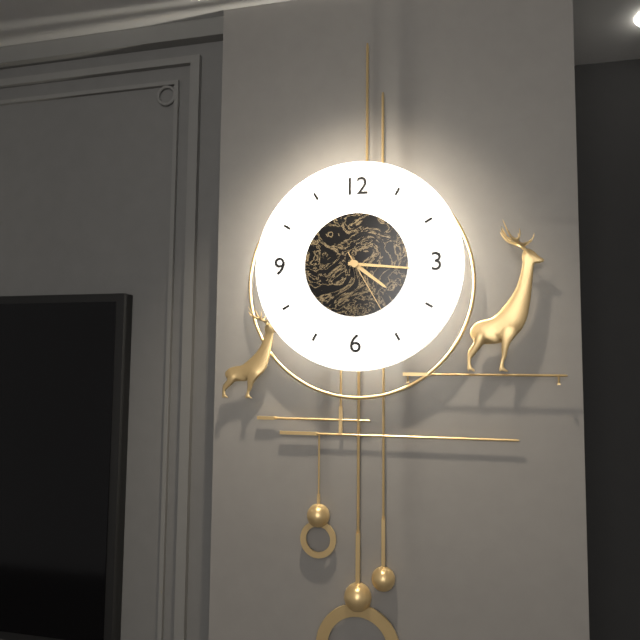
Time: {"hour": 4, "minute": 16, "second": 25}
